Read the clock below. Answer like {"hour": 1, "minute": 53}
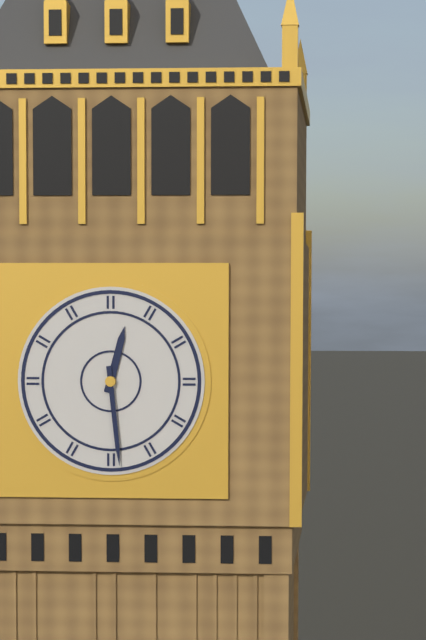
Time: {"hour": 12, "minute": 29}
